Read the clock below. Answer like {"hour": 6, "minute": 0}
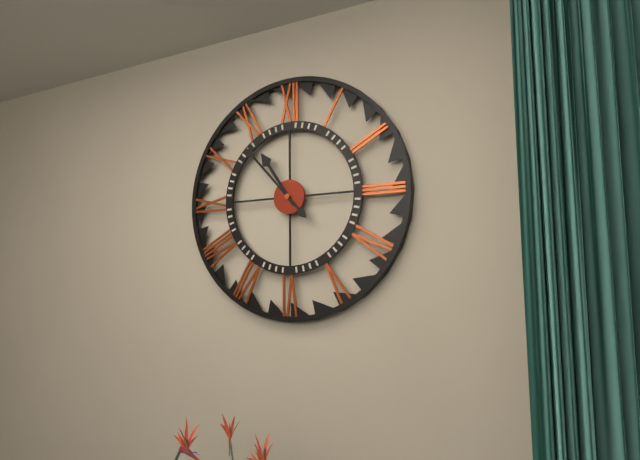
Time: {"hour": 10, "minute": 53}
